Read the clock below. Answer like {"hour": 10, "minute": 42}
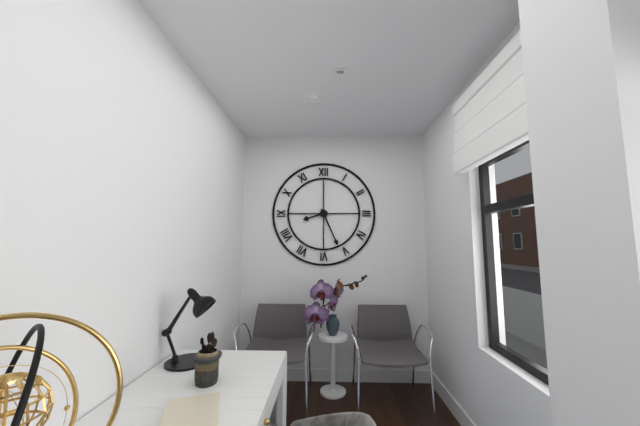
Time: {"hour": 8, "minute": 26}
